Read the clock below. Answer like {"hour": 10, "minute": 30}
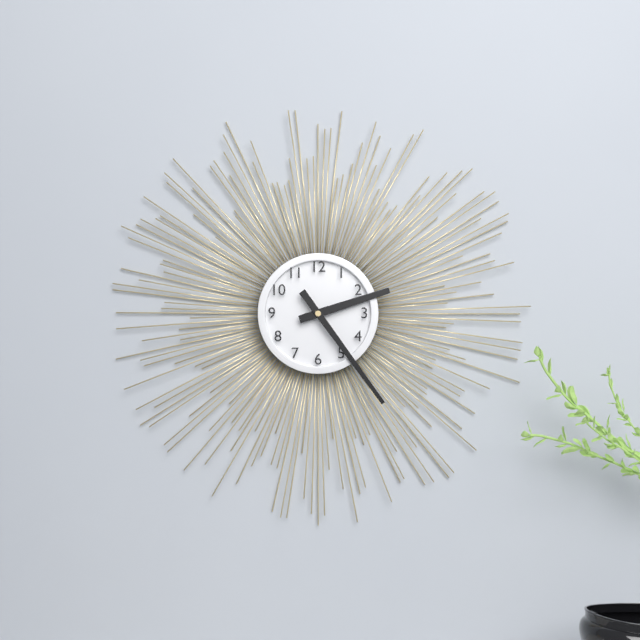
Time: {"hour": 2, "minute": 24}
